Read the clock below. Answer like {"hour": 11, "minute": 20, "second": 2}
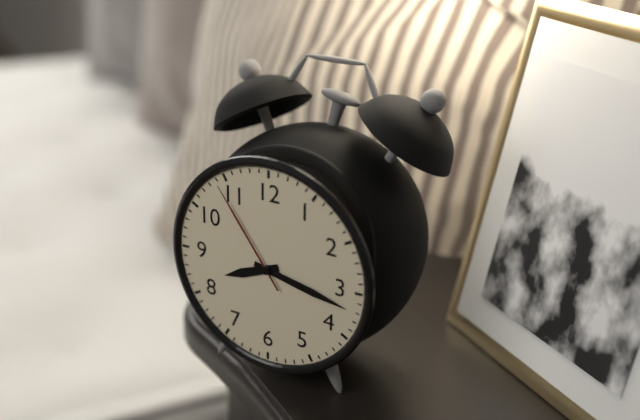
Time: {"hour": 8, "minute": 17, "second": 54}
